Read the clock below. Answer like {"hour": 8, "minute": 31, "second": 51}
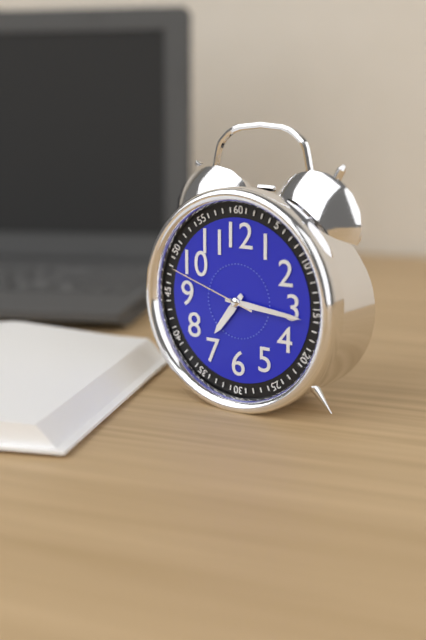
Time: {"hour": 7, "minute": 16, "second": 48}
